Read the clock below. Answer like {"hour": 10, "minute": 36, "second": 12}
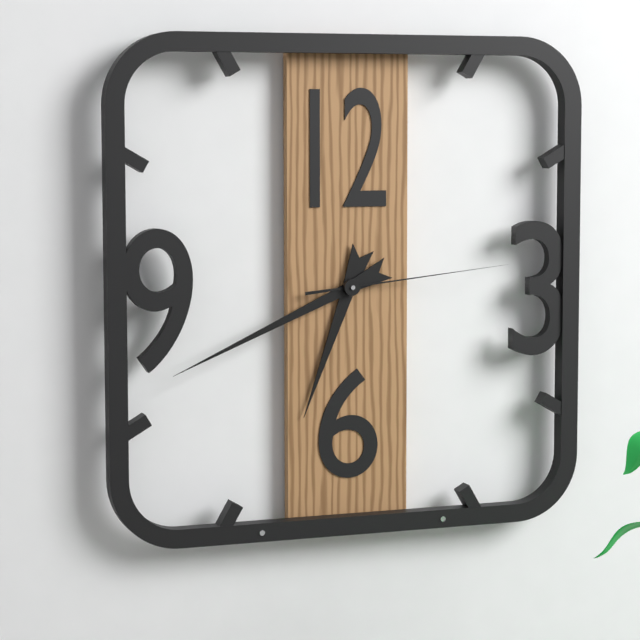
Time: {"hour": 6, "minute": 41, "second": 14}
